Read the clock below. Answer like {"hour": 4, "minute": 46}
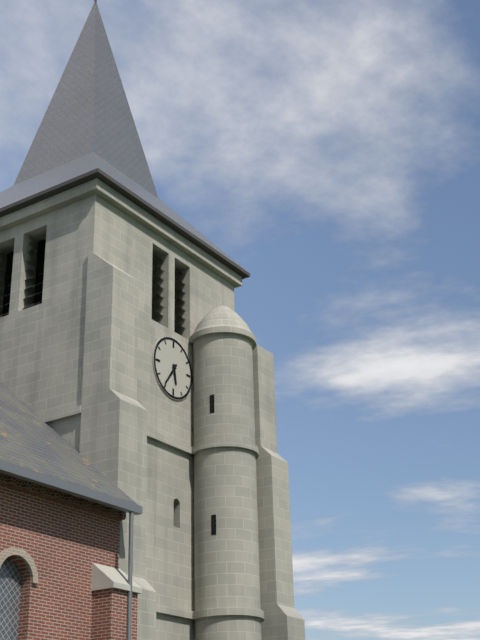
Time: {"hour": 5, "minute": 36}
